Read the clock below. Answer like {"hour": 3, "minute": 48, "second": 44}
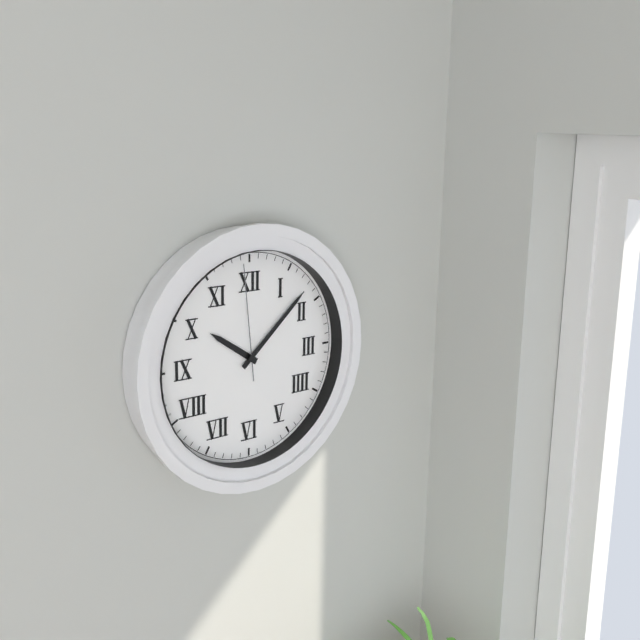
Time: {"hour": 10, "minute": 8, "second": 59}
